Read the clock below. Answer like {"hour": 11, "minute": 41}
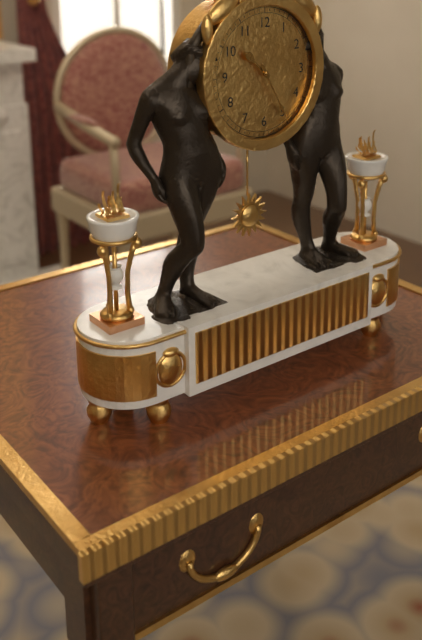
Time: {"hour": 10, "minute": 25}
